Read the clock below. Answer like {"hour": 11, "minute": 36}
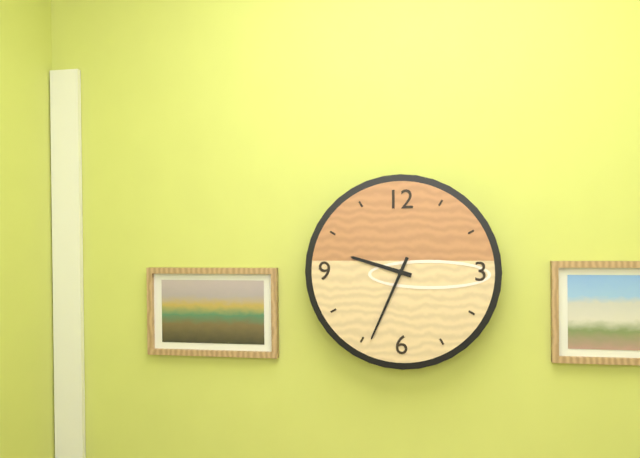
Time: {"hour": 9, "minute": 34}
